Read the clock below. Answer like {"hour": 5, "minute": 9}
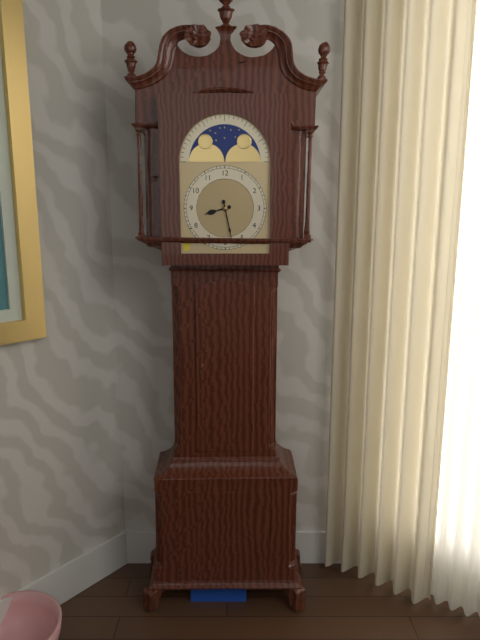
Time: {"hour": 8, "minute": 28}
